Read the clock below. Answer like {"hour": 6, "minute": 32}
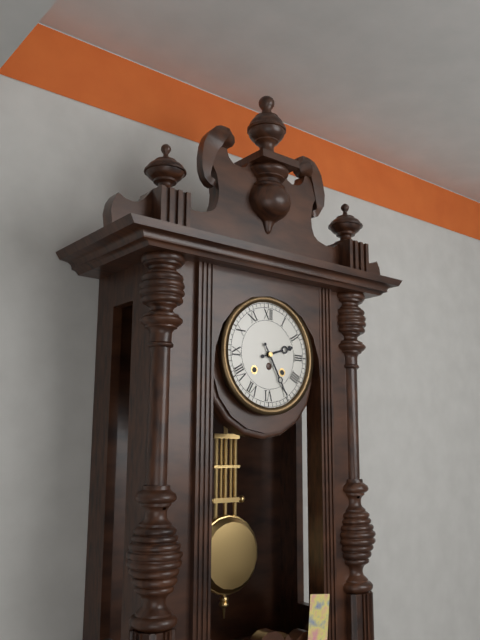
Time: {"hour": 2, "minute": 25}
